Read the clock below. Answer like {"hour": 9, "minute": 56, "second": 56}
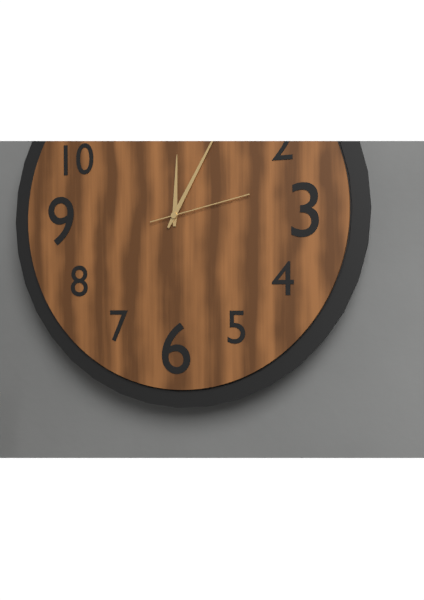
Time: {"hour": 12, "minute": 5, "second": 13}
